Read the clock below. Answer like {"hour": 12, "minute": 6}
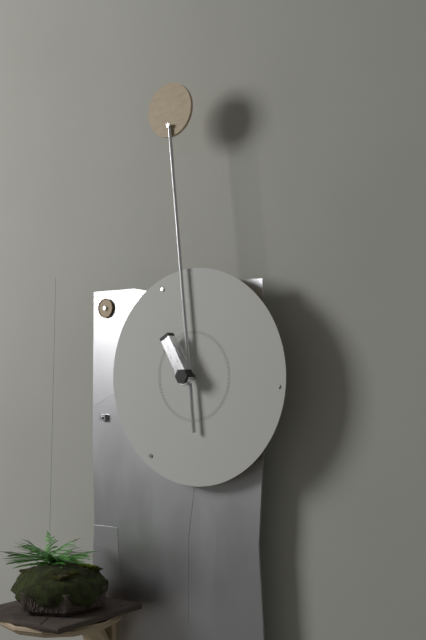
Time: {"hour": 10, "minute": 59}
